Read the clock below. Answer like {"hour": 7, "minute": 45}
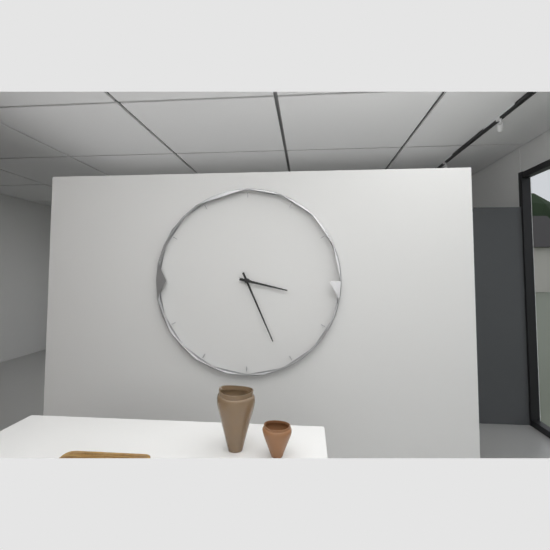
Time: {"hour": 3, "minute": 26}
